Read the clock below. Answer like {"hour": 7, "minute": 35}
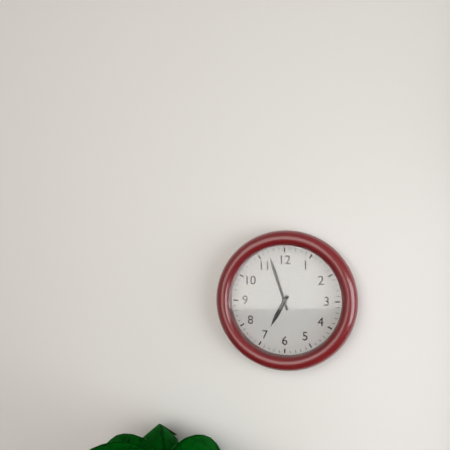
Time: {"hour": 6, "minute": 57}
